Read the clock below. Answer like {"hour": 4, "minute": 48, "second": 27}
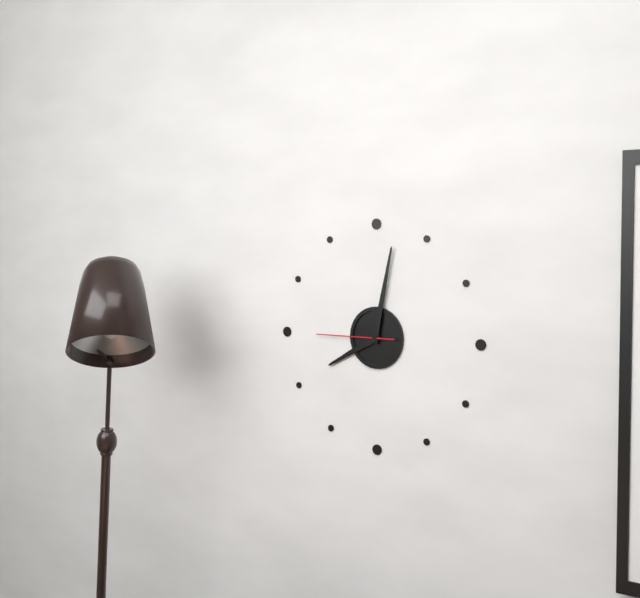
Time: {"hour": 8, "minute": 2, "second": 45}
